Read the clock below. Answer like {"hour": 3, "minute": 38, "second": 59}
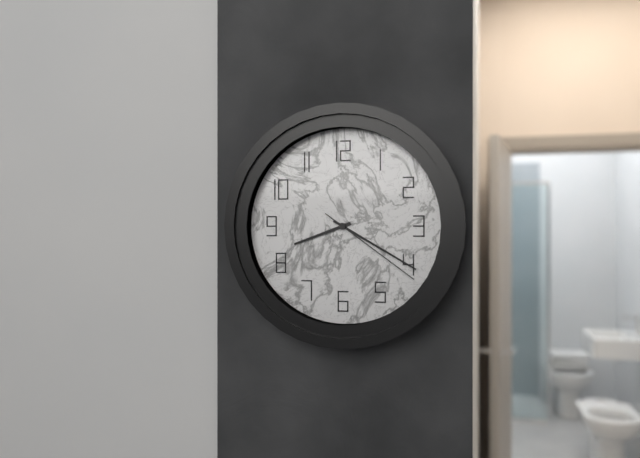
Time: {"hour": 8, "minute": 20, "second": 21}
